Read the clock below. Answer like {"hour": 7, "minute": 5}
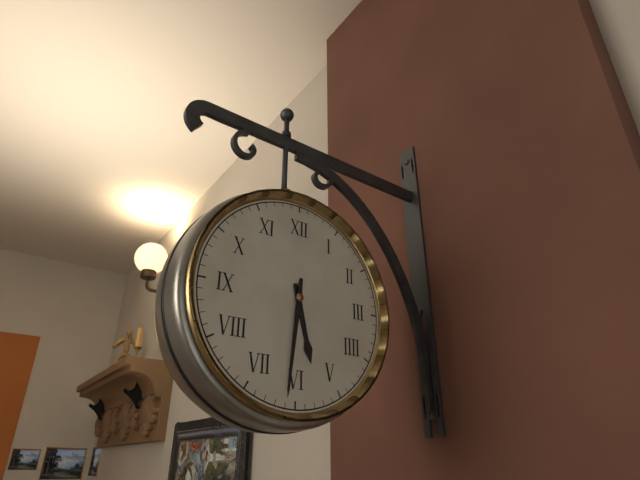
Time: {"hour": 5, "minute": 31}
